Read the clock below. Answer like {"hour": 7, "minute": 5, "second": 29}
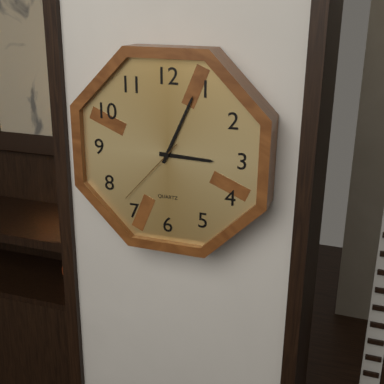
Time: {"hour": 3, "minute": 4, "second": 37}
